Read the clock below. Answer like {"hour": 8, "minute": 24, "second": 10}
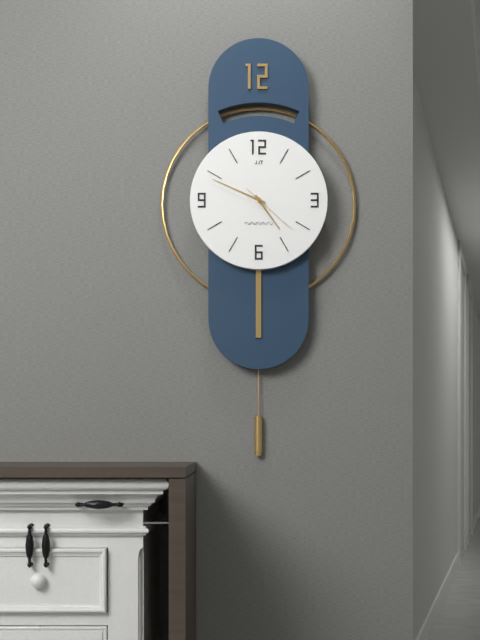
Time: {"hour": 4, "minute": 49, "second": 22}
